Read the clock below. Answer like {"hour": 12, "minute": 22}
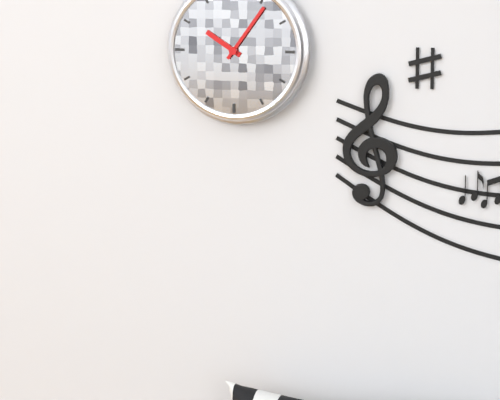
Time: {"hour": 10, "minute": 6}
